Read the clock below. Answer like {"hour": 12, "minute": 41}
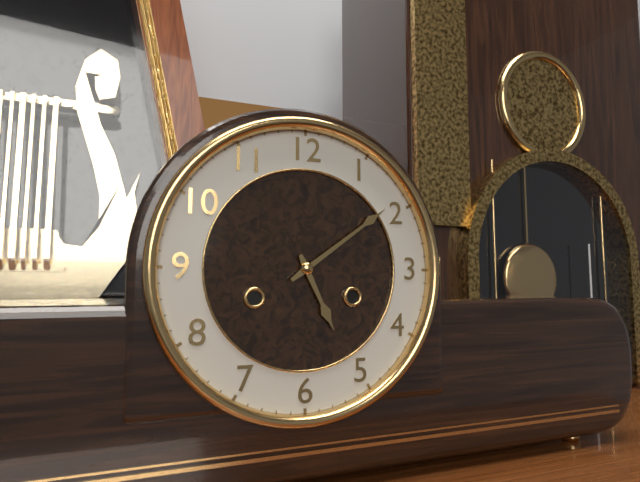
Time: {"hour": 5, "minute": 9}
